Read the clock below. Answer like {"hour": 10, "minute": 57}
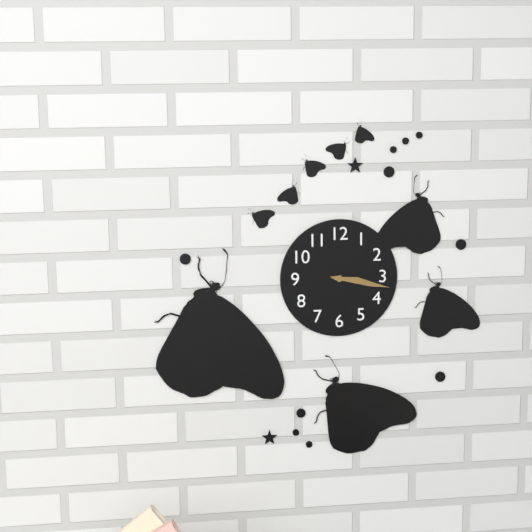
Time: {"hour": 3, "minute": 17}
